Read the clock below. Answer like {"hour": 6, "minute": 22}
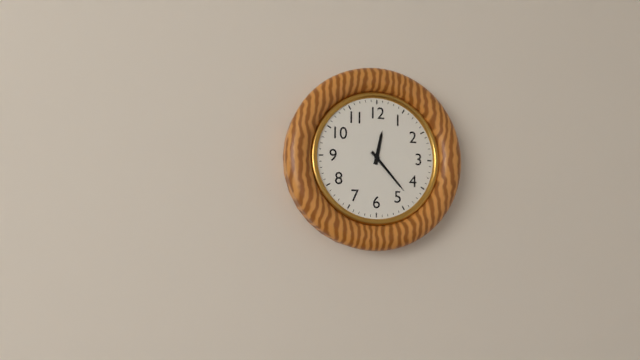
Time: {"hour": 12, "minute": 23}
